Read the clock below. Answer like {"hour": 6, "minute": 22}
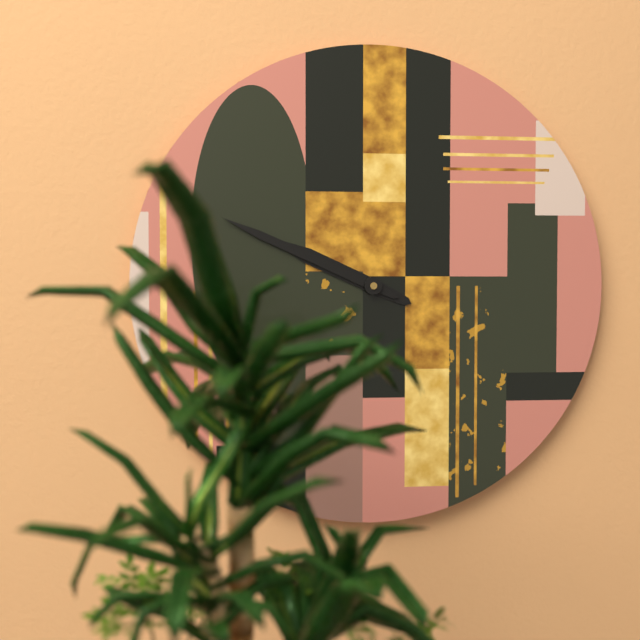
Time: {"hour": 9, "minute": 49}
